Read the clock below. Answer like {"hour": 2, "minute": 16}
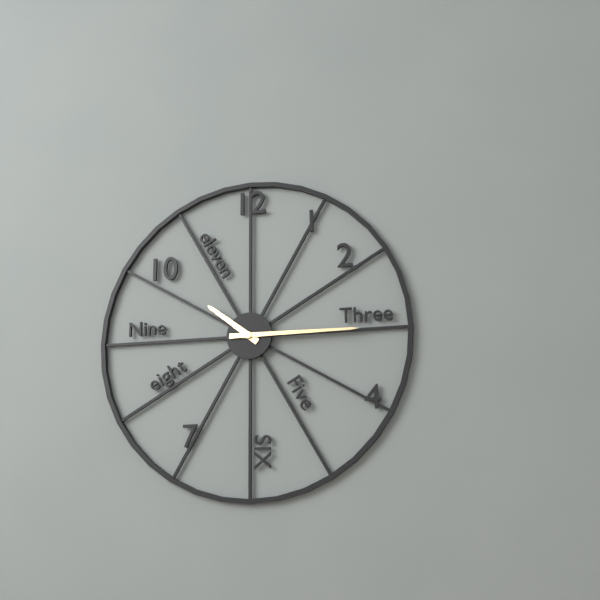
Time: {"hour": 10, "minute": 15}
